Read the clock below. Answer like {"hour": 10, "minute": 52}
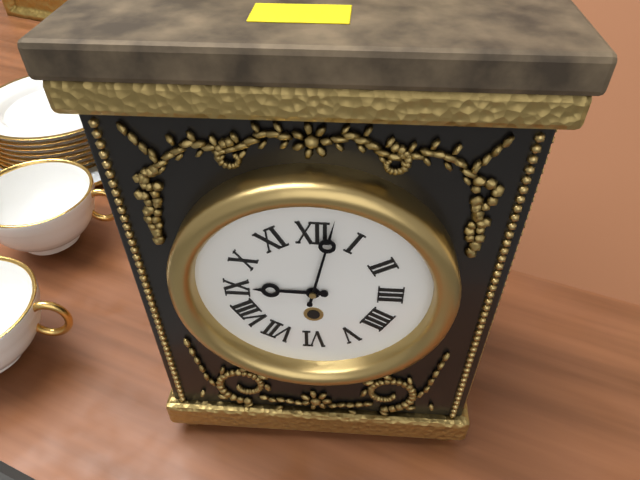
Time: {"hour": 9, "minute": 2}
